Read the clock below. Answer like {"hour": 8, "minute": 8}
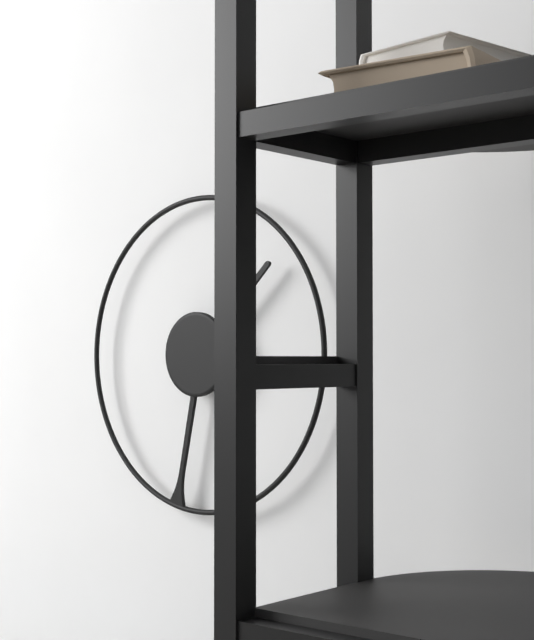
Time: {"hour": 1, "minute": 32}
